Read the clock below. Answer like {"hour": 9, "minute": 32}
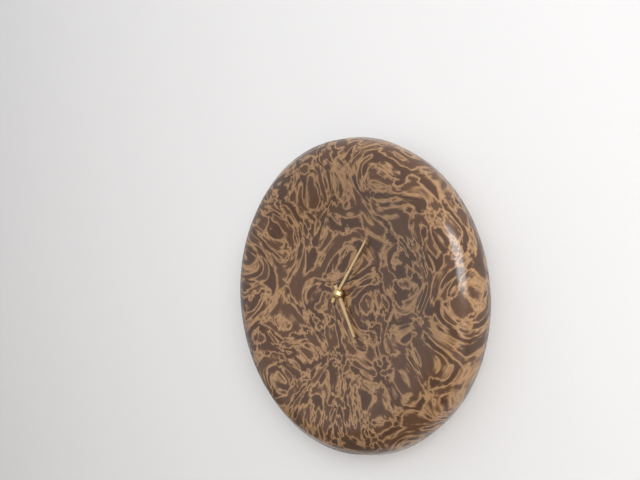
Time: {"hour": 5, "minute": 6}
